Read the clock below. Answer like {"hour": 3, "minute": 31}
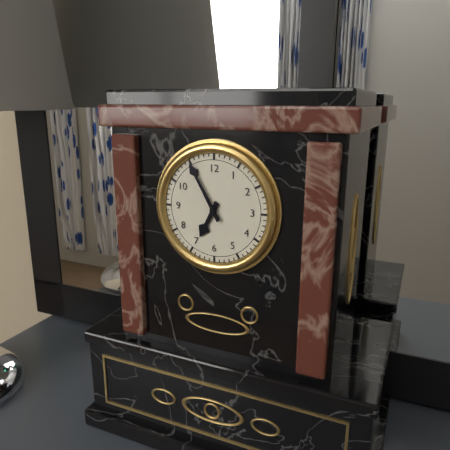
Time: {"hour": 6, "minute": 55}
